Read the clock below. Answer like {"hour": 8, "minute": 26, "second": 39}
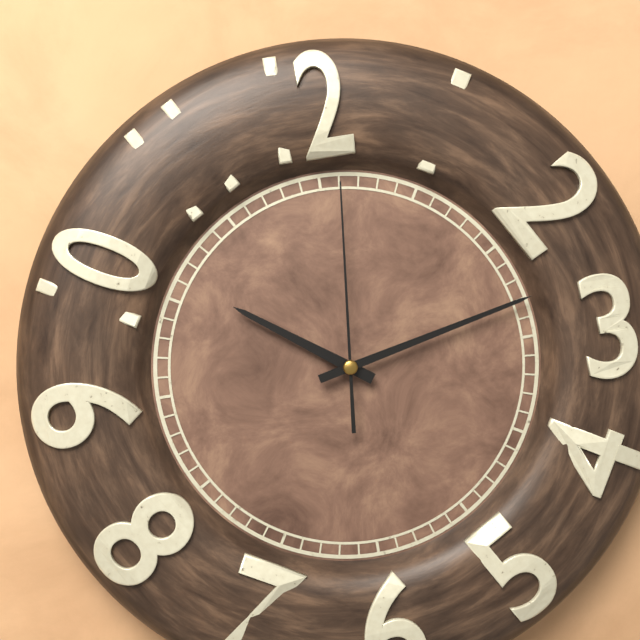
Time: {"hour": 10, "minute": 13, "second": 1}
